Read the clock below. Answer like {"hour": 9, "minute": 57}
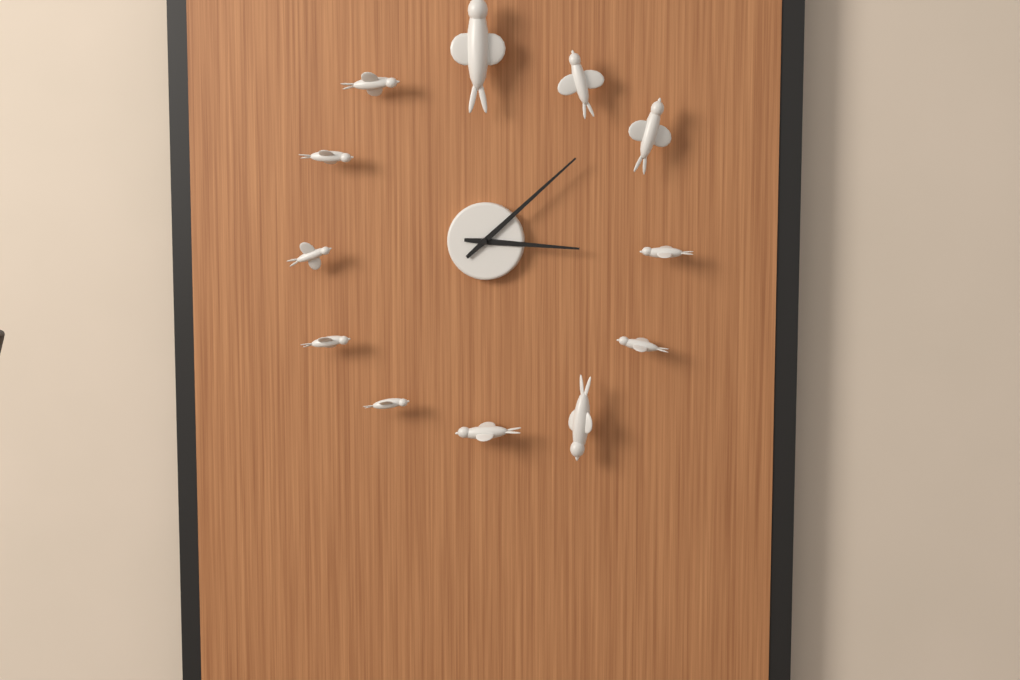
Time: {"hour": 3, "minute": 8}
